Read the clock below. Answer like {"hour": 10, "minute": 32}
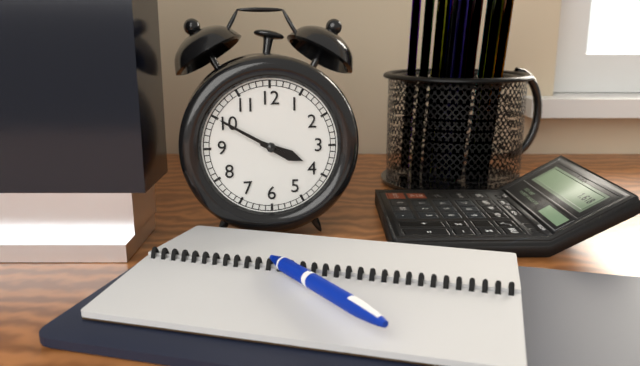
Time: {"hour": 3, "minute": 50}
